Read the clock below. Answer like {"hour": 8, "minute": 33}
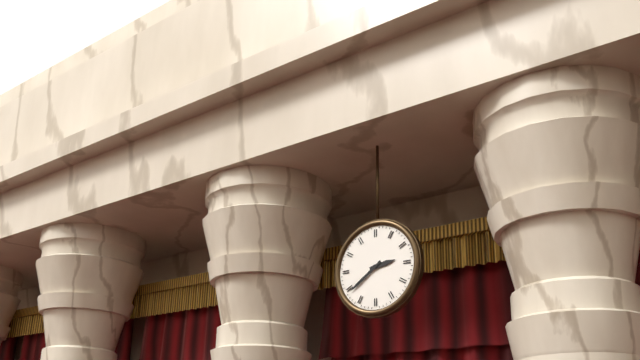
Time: {"hour": 2, "minute": 39}
